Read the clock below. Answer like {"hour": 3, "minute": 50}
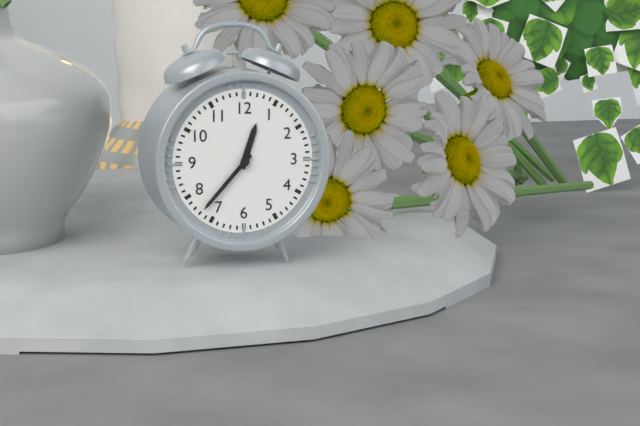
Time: {"hour": 12, "minute": 37}
